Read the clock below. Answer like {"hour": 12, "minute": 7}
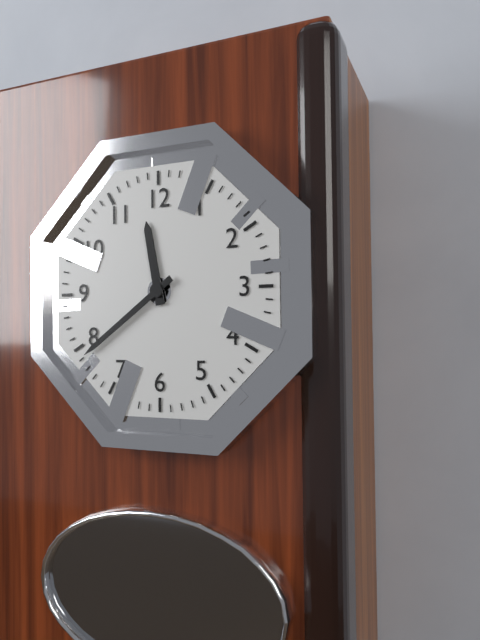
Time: {"hour": 11, "minute": 39}
